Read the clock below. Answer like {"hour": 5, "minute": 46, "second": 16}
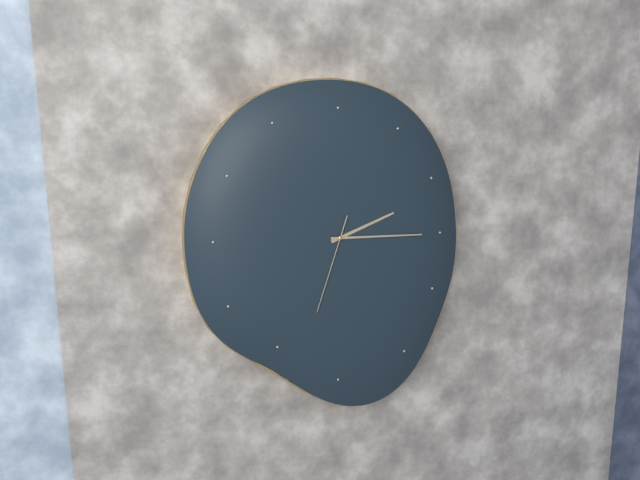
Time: {"hour": 2, "minute": 15, "second": 33}
